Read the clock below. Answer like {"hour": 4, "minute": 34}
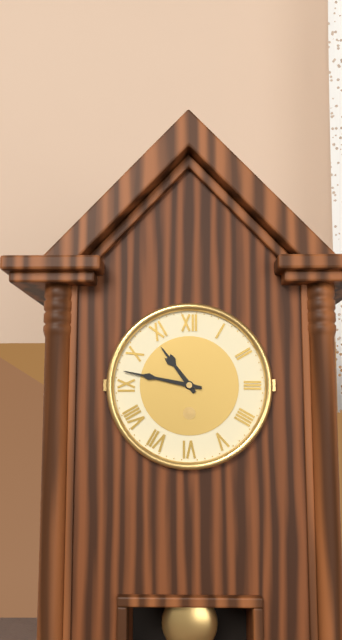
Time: {"hour": 10, "minute": 47}
